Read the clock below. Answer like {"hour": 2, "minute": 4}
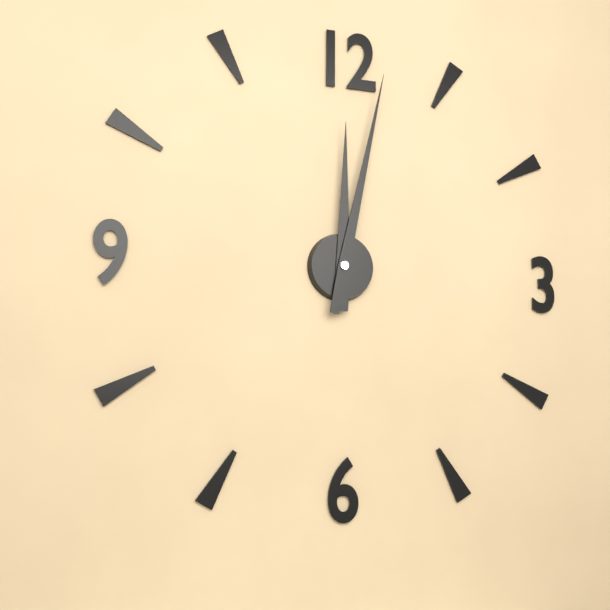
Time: {"hour": 12, "minute": 2}
